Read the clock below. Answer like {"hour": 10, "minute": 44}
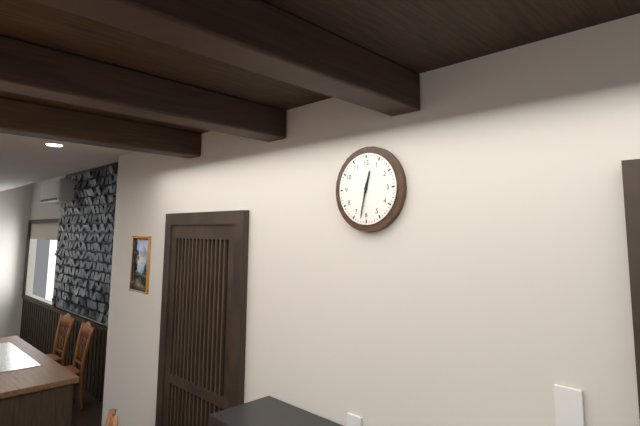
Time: {"hour": 12, "minute": 32}
